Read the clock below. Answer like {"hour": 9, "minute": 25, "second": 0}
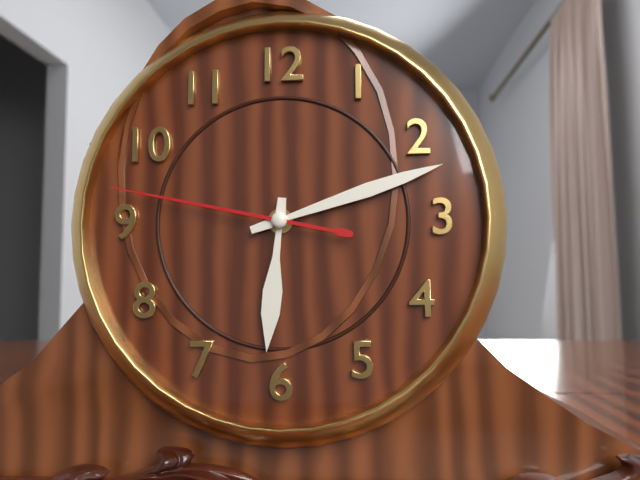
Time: {"hour": 6, "minute": 12, "second": 47}
